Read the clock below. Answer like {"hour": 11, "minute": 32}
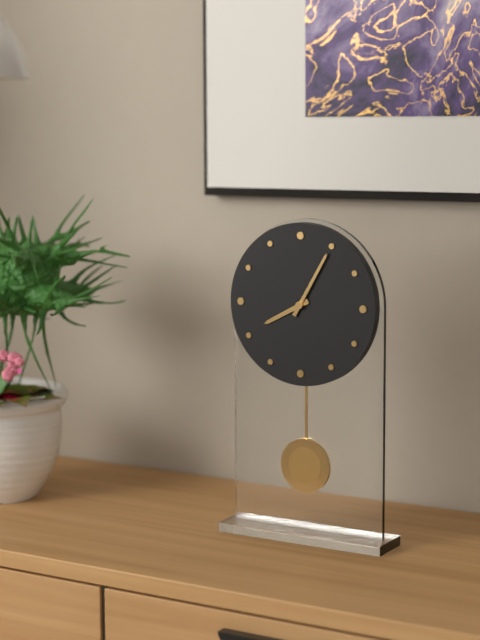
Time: {"hour": 8, "minute": 5}
